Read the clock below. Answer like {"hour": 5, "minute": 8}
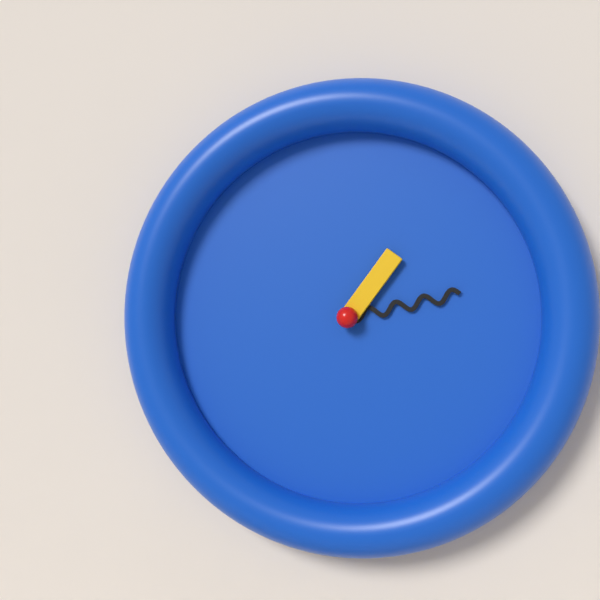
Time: {"hour": 1, "minute": 13}
